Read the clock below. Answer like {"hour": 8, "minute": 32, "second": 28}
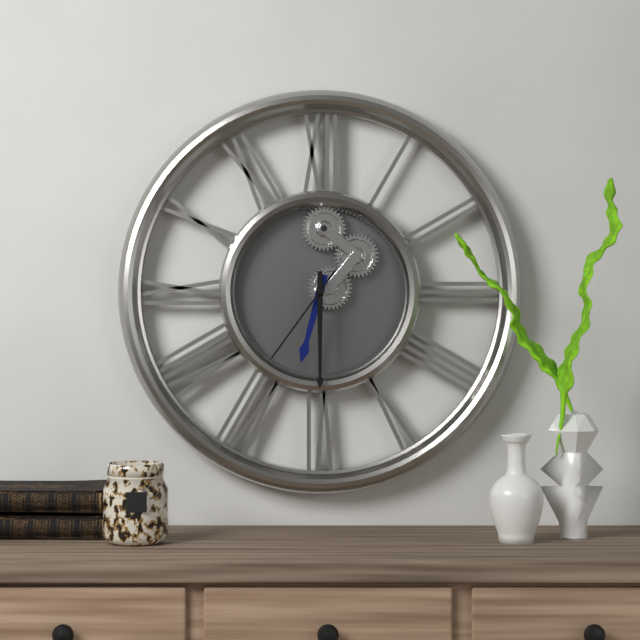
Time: {"hour": 6, "minute": 30, "second": 36}
